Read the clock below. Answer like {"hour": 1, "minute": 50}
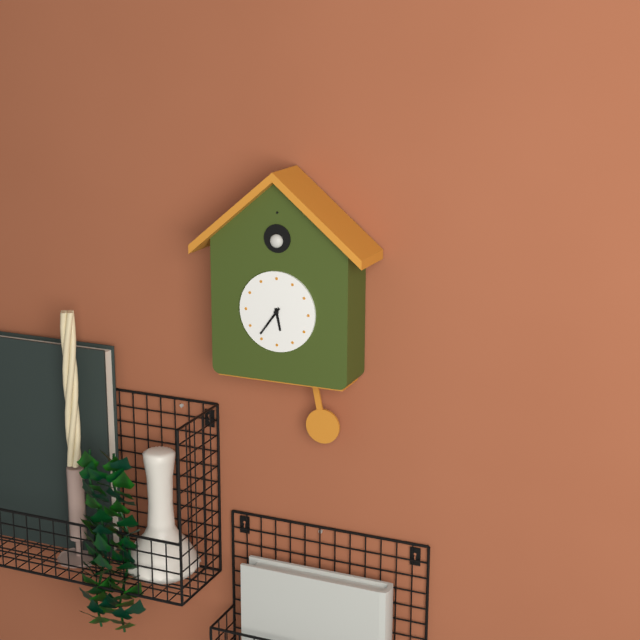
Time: {"hour": 5, "minute": 36}
